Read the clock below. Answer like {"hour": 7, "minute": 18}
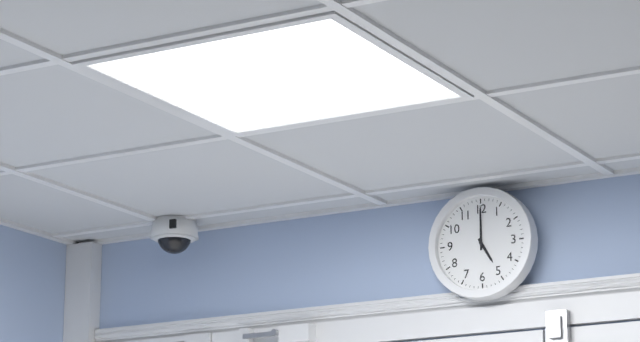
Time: {"hour": 5, "minute": 0}
